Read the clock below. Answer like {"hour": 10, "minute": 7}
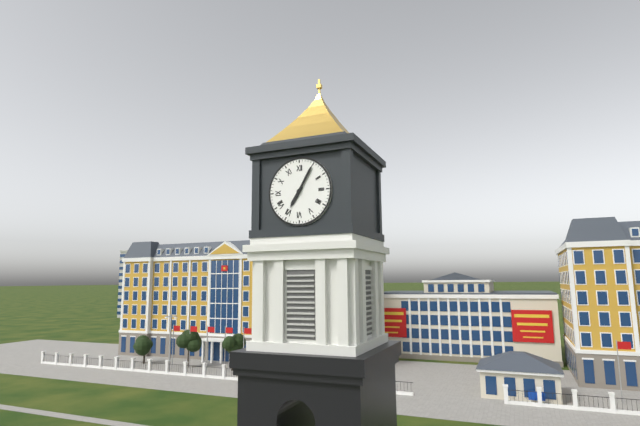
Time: {"hour": 7, "minute": 5}
